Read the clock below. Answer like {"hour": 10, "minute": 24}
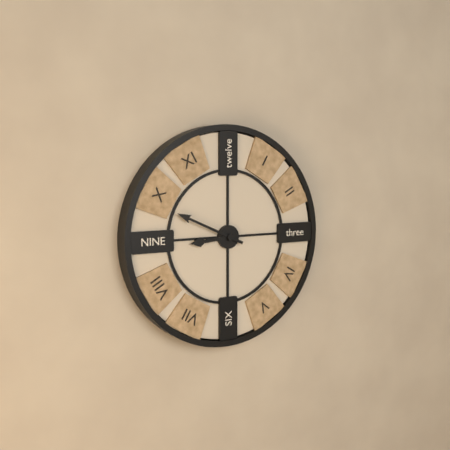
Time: {"hour": 8, "minute": 49}
